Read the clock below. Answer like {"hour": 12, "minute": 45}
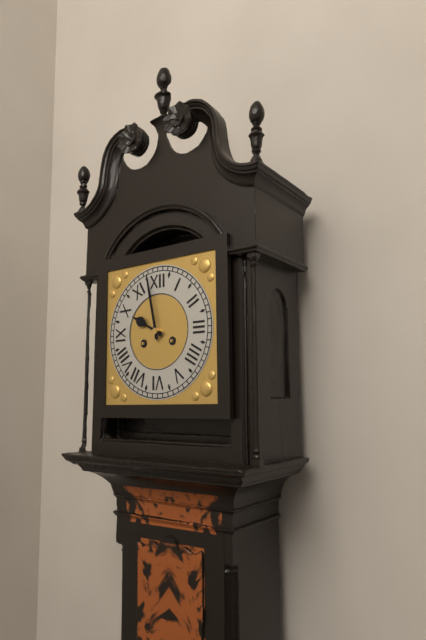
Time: {"hour": 9, "minute": 58}
